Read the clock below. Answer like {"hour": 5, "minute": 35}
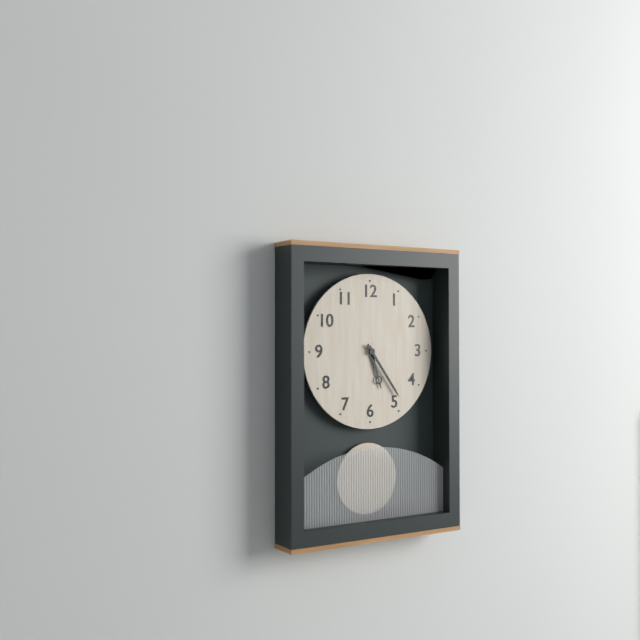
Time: {"hour": 5, "minute": 24}
